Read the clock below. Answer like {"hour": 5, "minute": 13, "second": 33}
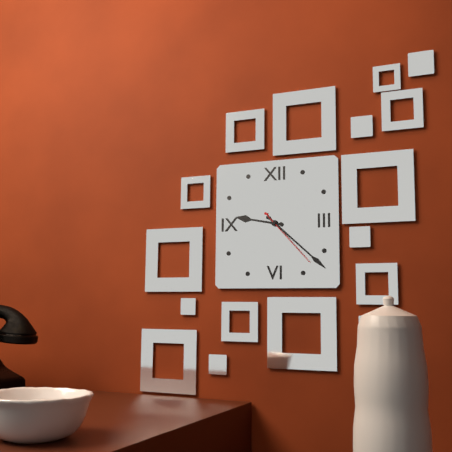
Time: {"hour": 9, "minute": 22, "second": 23}
